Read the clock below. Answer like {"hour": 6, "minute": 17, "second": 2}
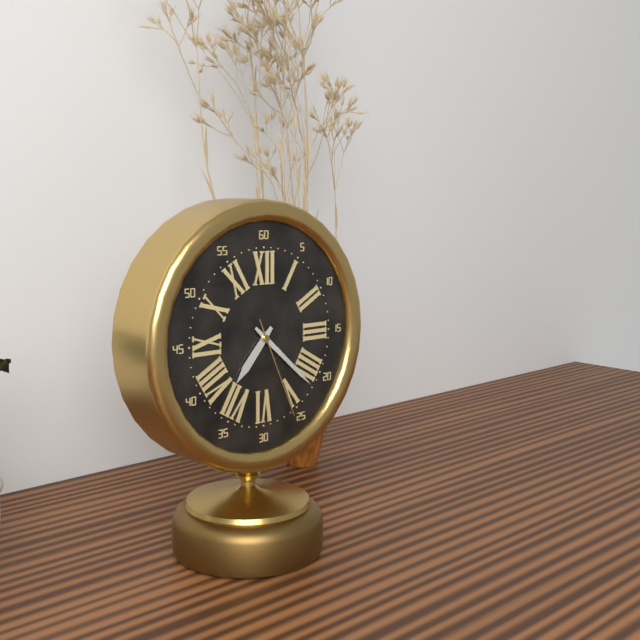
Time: {"hour": 7, "minute": 22, "second": 26}
